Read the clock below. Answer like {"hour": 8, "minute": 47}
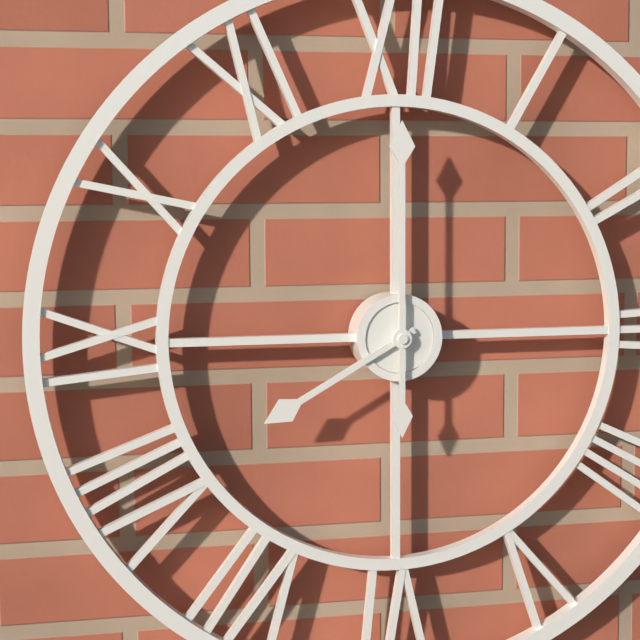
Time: {"hour": 8, "minute": 0}
